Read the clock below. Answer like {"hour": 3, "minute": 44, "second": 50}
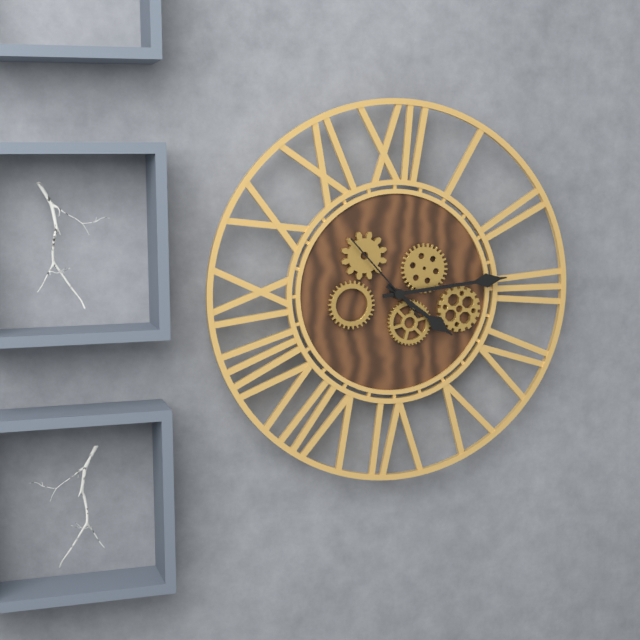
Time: {"hour": 4, "minute": 14, "second": 53}
